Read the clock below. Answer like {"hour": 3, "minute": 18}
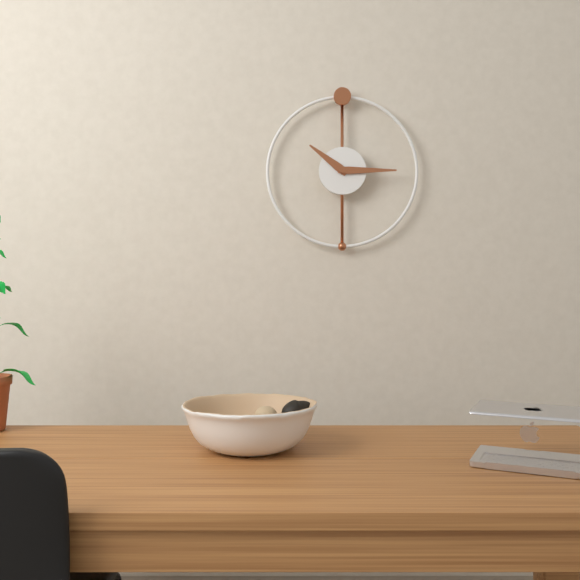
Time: {"hour": 10, "minute": 15}
